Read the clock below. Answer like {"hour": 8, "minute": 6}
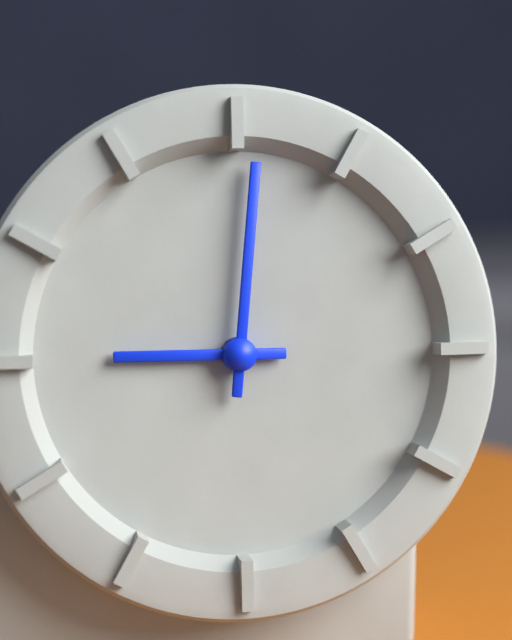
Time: {"hour": 9, "minute": 1}
